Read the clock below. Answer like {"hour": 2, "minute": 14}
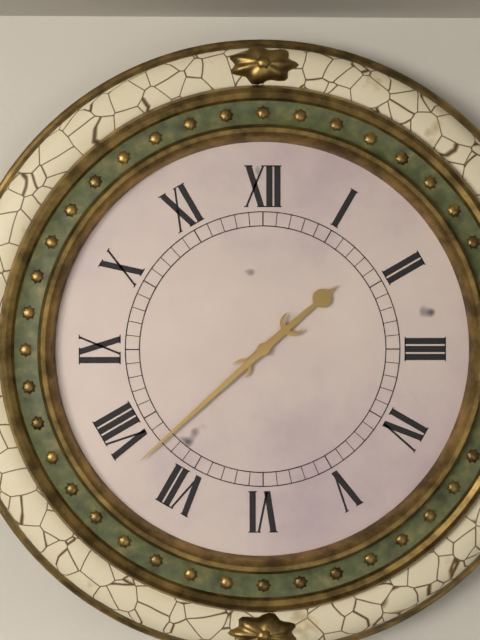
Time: {"hour": 1, "minute": 38}
